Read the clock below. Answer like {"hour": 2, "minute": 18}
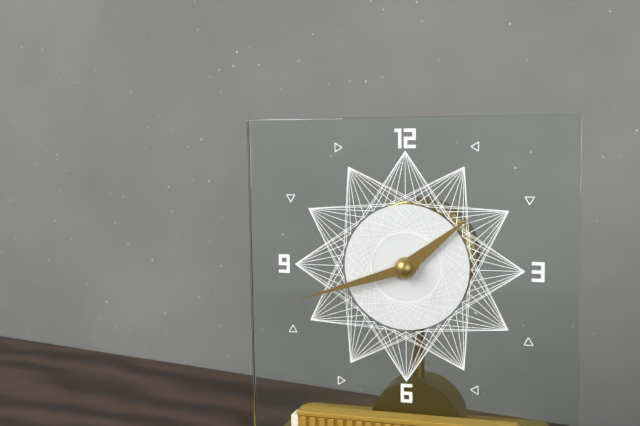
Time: {"hour": 1, "minute": 42}
